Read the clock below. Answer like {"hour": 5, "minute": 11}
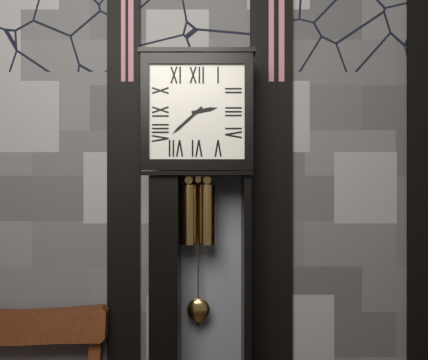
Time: {"hour": 2, "minute": 38}
